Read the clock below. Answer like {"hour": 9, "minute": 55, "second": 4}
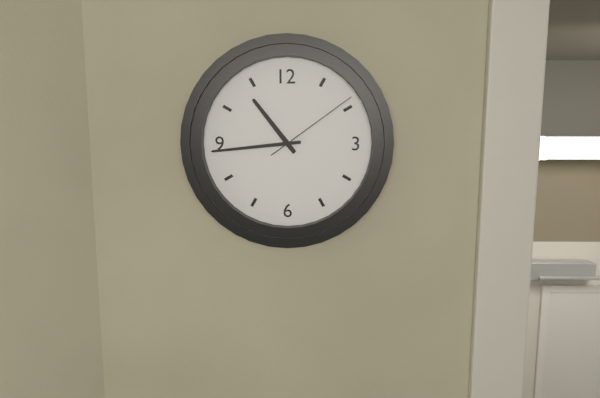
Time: {"hour": 10, "minute": 44, "second": 9}
